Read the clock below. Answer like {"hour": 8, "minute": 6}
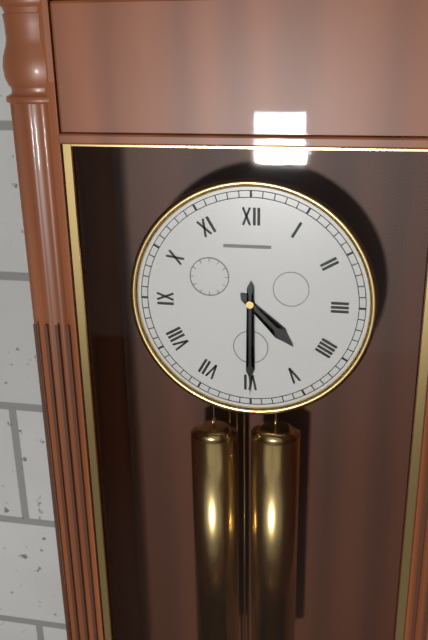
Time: {"hour": 4, "minute": 30}
